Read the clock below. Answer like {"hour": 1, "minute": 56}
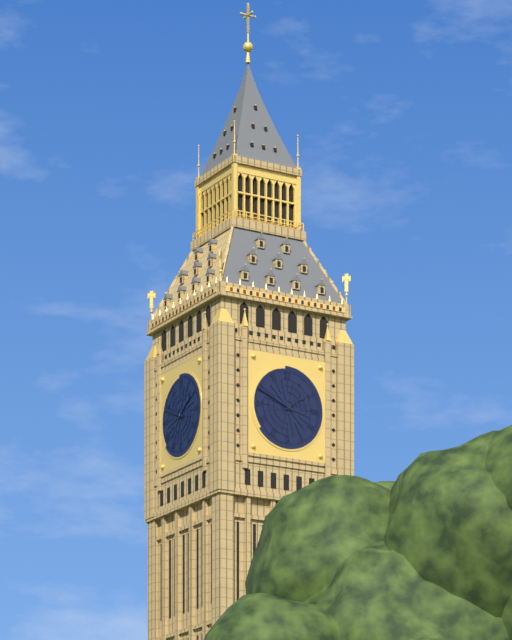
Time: {"hour": 1, "minute": 49}
